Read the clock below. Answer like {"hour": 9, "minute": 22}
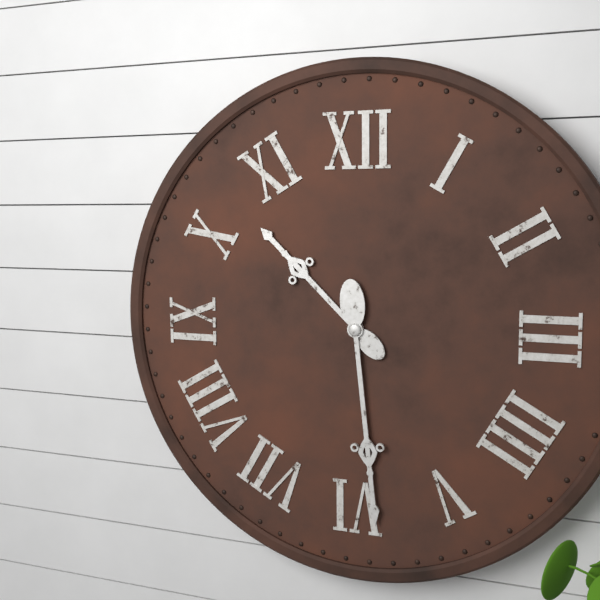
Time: {"hour": 10, "minute": 29}
